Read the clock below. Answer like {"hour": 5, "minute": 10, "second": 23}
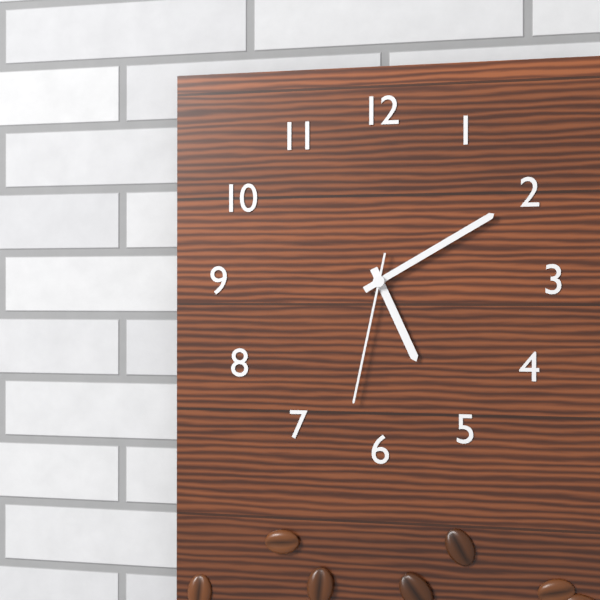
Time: {"hour": 5, "minute": 10, "second": 32}
